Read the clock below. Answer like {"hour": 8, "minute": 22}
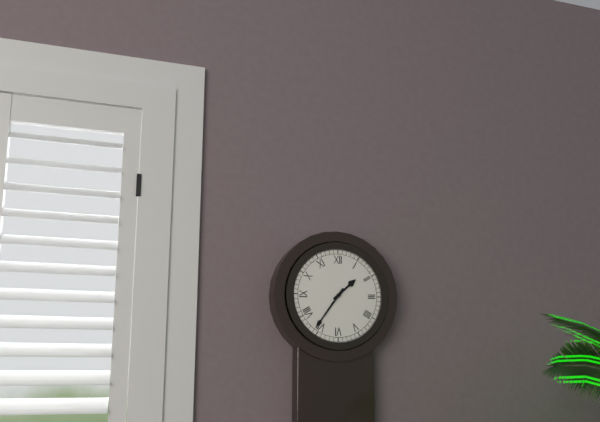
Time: {"hour": 1, "minute": 36}
